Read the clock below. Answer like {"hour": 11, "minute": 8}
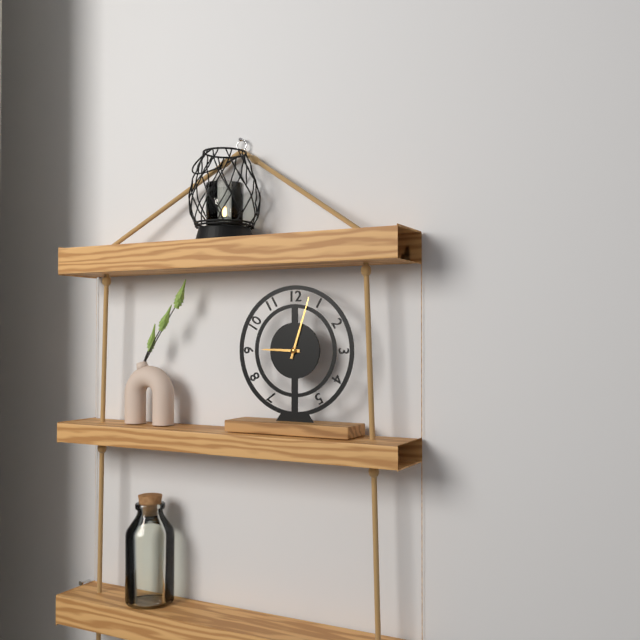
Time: {"hour": 9, "minute": 3}
